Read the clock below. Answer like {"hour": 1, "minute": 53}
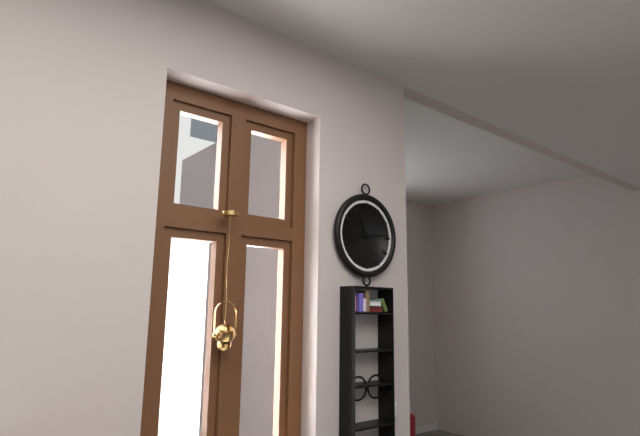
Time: {"hour": 11, "minute": 14}
